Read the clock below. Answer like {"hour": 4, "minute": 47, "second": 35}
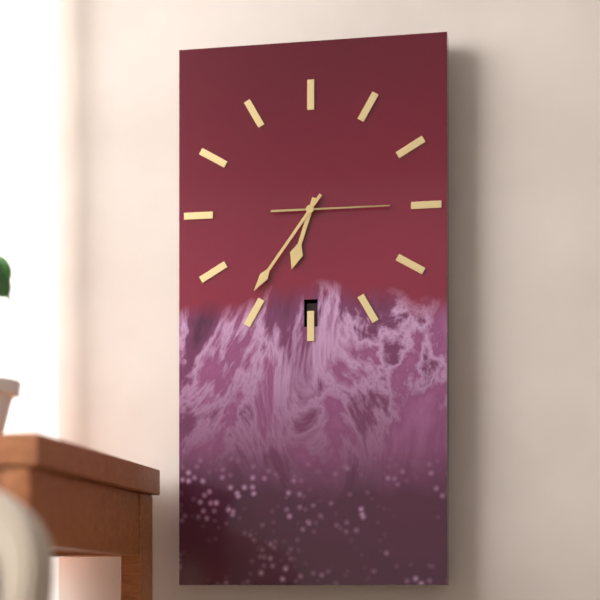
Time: {"hour": 6, "minute": 36, "second": 15}
